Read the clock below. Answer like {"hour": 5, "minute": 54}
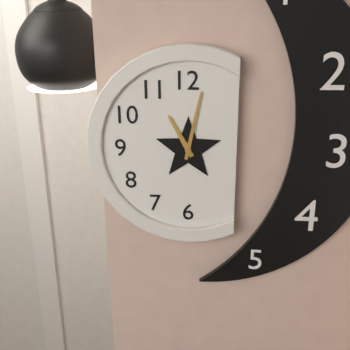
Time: {"hour": 11, "minute": 2}
